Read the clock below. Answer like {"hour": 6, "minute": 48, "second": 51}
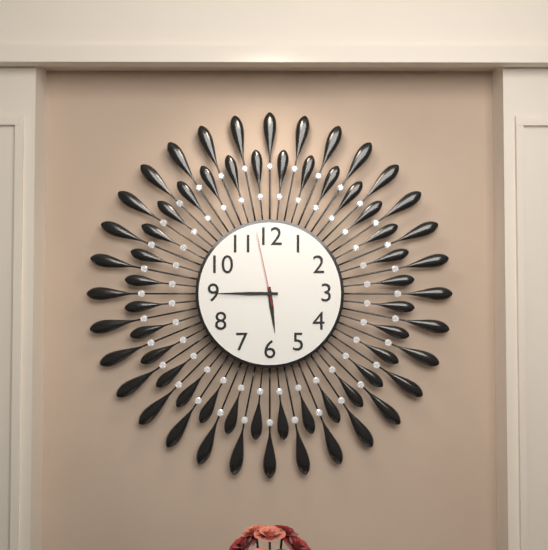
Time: {"hour": 5, "minute": 45, "second": 58}
